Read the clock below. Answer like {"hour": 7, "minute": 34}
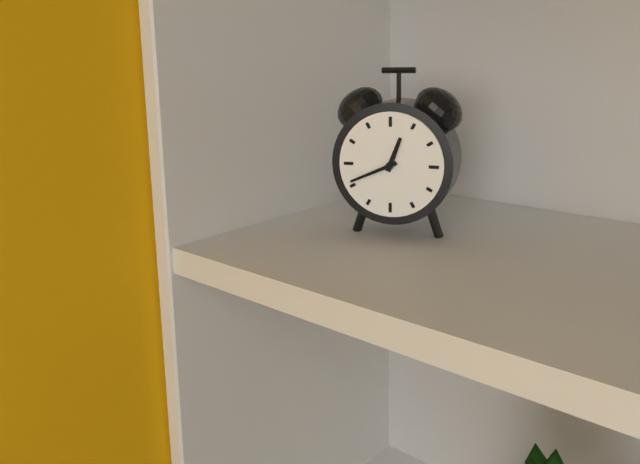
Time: {"hour": 12, "minute": 41}
